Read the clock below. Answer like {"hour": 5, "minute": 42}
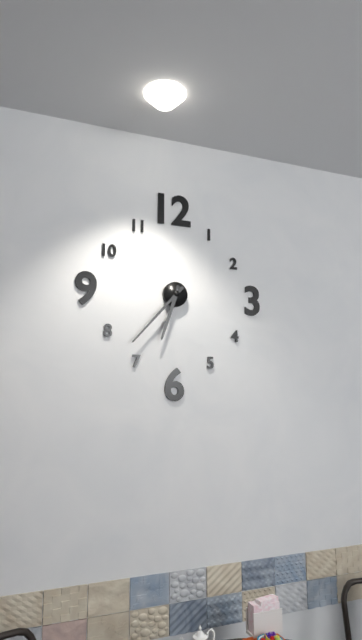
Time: {"hour": 6, "minute": 37}
